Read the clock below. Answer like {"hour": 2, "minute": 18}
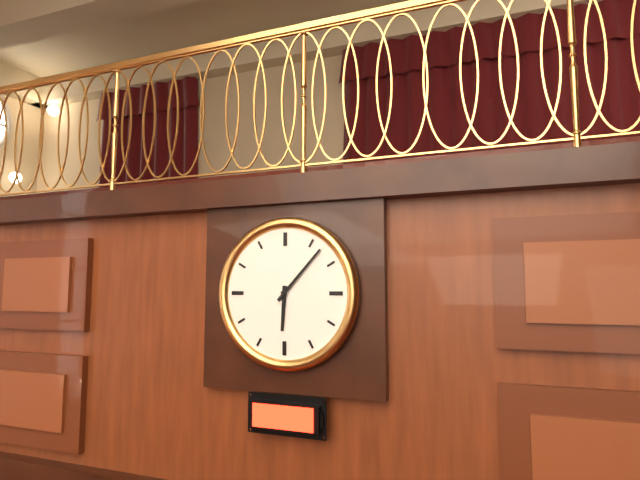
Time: {"hour": 6, "minute": 7}
